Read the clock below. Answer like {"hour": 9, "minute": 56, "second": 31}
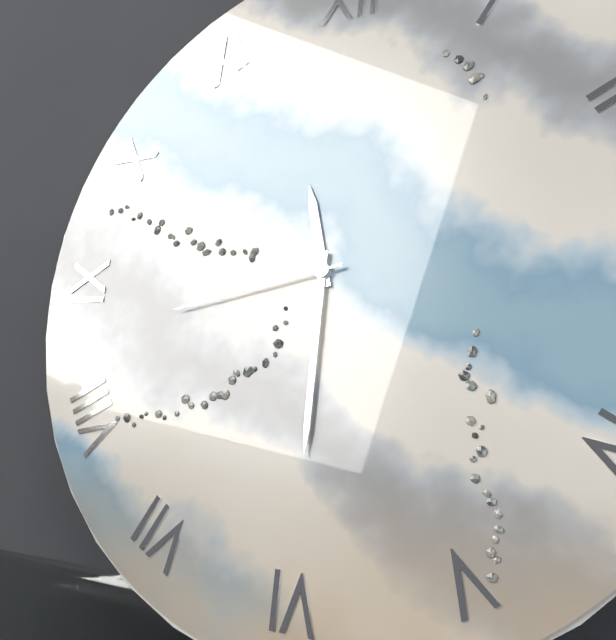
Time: {"hour": 11, "minute": 30, "second": 43}
